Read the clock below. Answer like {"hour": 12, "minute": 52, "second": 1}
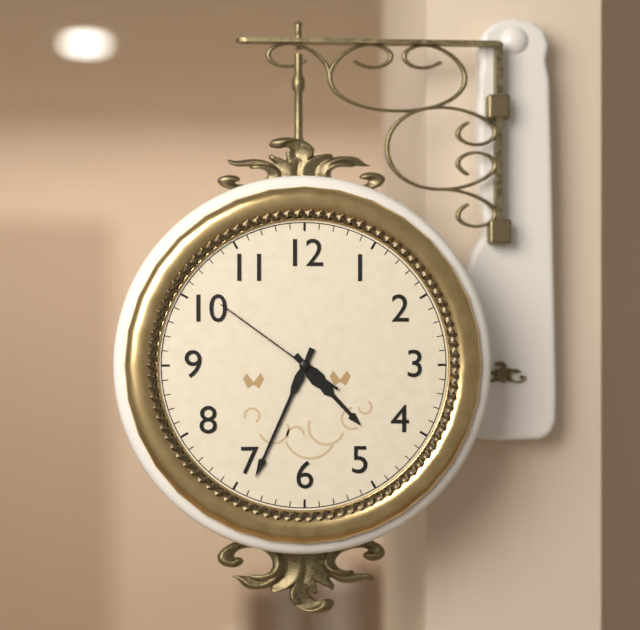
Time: {"hour": 4, "minute": 34, "second": 51}
